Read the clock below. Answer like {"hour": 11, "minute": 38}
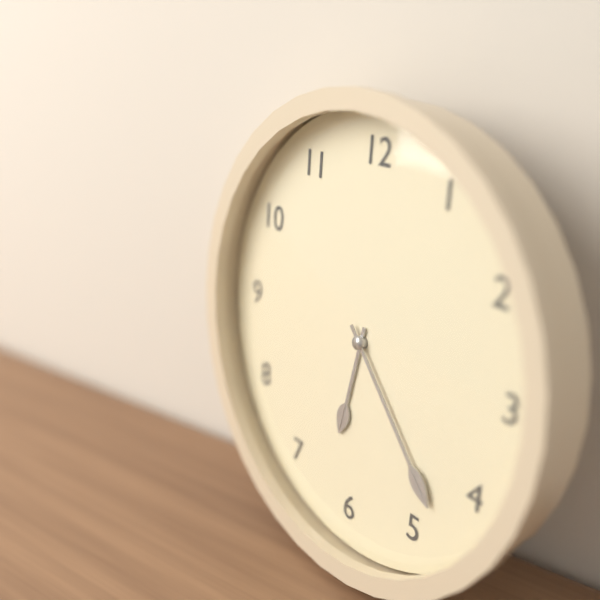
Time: {"hour": 6, "minute": 23}
